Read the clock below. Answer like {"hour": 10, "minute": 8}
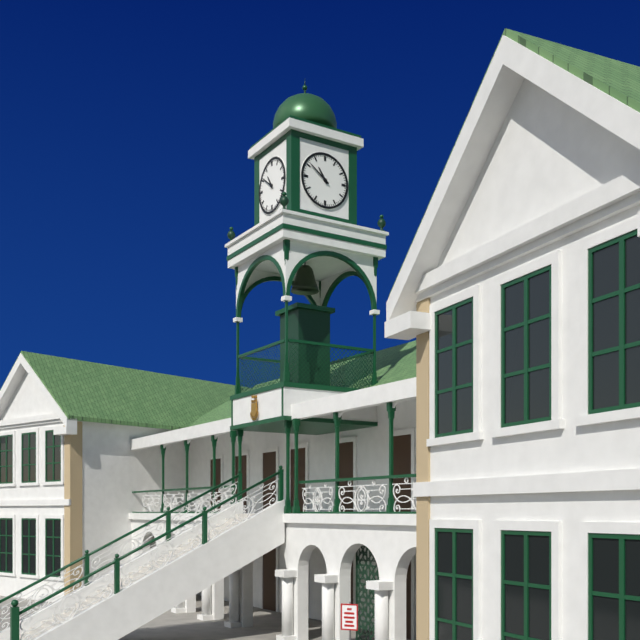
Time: {"hour": 10, "minute": 51}
